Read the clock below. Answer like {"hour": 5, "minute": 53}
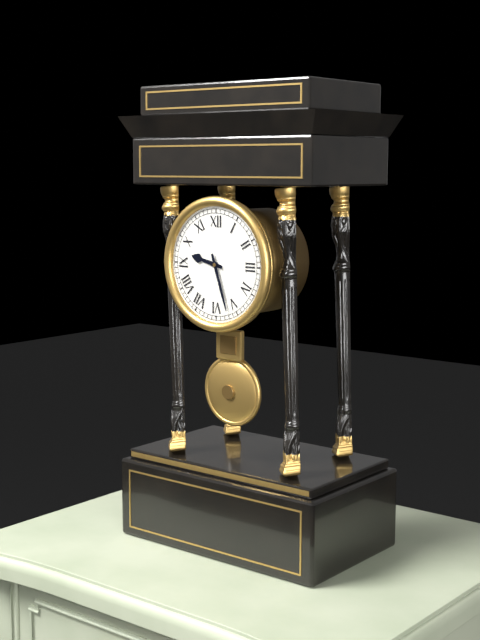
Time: {"hour": 9, "minute": 27}
